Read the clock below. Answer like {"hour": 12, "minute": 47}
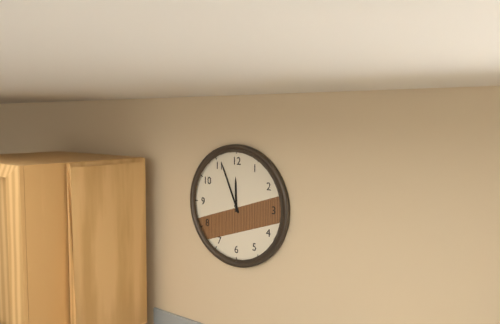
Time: {"hour": 11, "minute": 56}
